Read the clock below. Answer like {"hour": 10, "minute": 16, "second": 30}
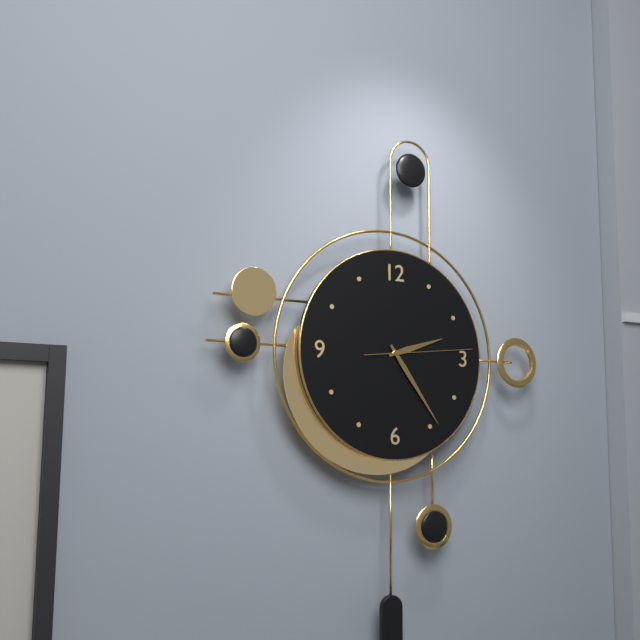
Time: {"hour": 2, "minute": 24, "second": 14}
